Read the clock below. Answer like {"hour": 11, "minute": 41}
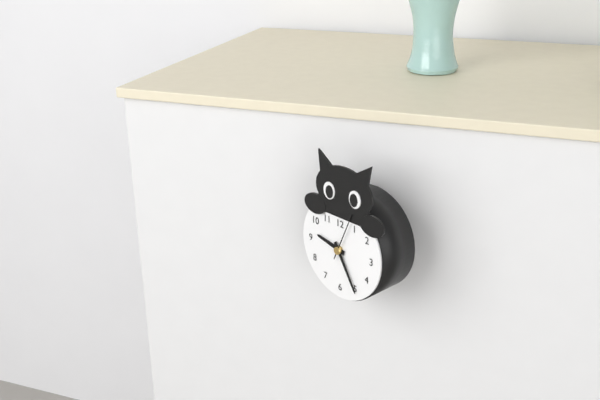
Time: {"hour": 9, "minute": 25}
